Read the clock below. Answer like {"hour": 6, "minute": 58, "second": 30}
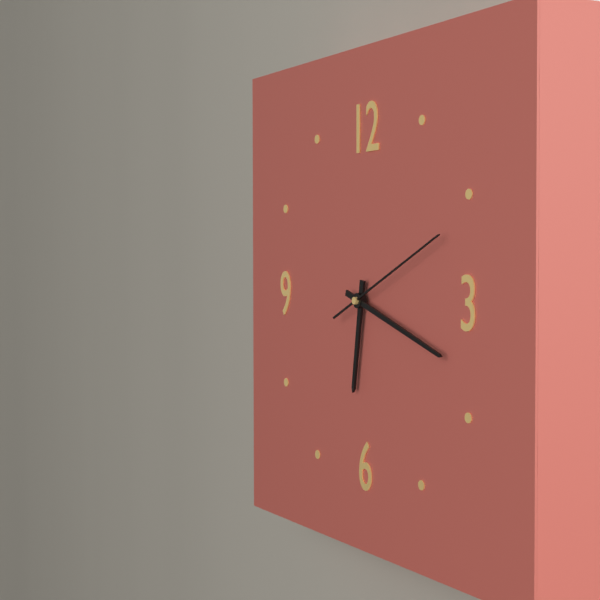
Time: {"hour": 6, "minute": 18, "second": 11}
